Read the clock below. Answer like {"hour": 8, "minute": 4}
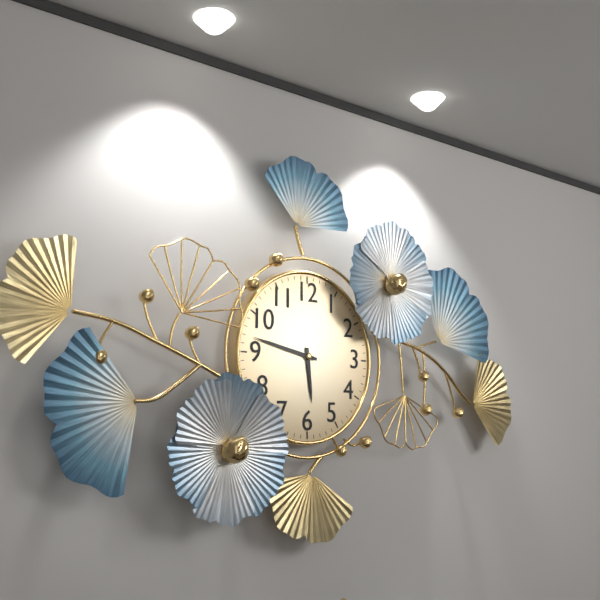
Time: {"hour": 5, "minute": 47}
